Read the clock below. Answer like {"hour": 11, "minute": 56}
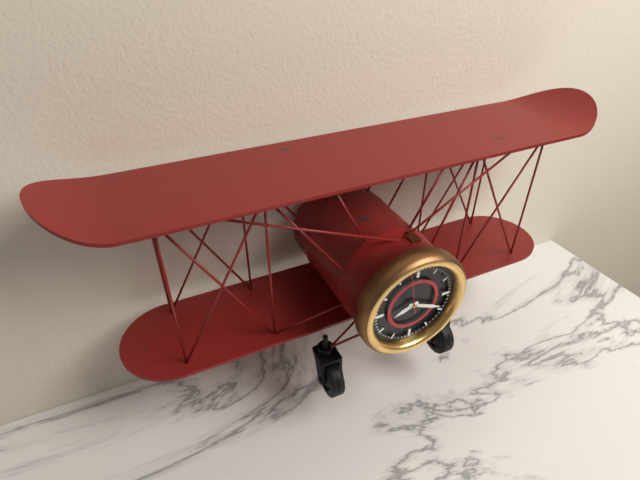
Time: {"hour": 8, "minute": 19}
